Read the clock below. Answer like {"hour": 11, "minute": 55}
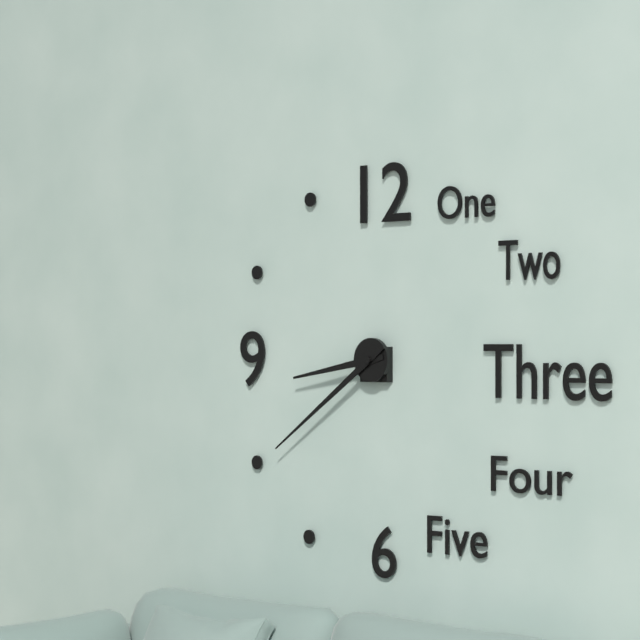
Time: {"hour": 8, "minute": 39}
